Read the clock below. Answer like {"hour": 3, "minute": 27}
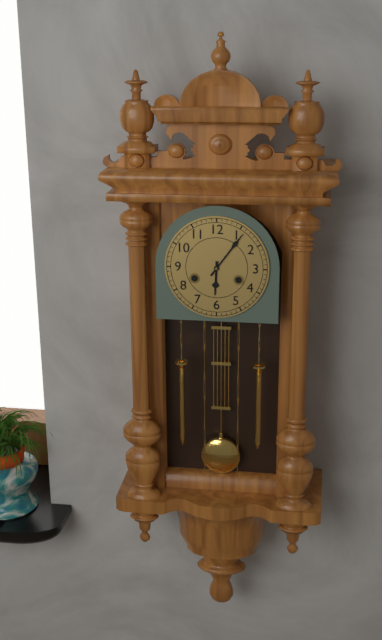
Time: {"hour": 6, "minute": 6}
